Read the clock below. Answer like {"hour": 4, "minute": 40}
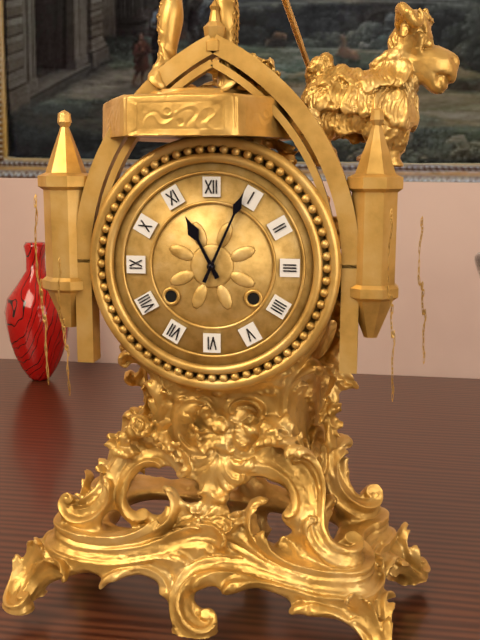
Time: {"hour": 11, "minute": 4}
